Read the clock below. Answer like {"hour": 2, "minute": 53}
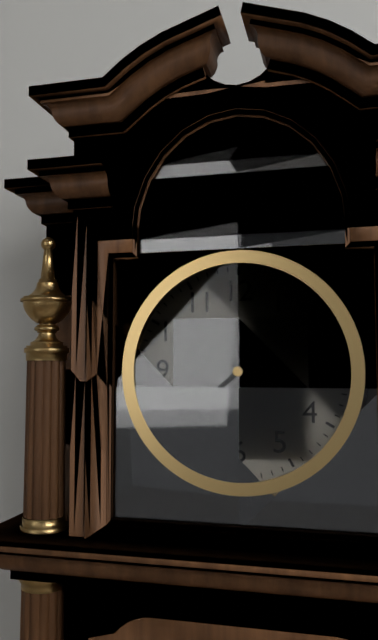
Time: {"hour": 8, "minute": 38}
